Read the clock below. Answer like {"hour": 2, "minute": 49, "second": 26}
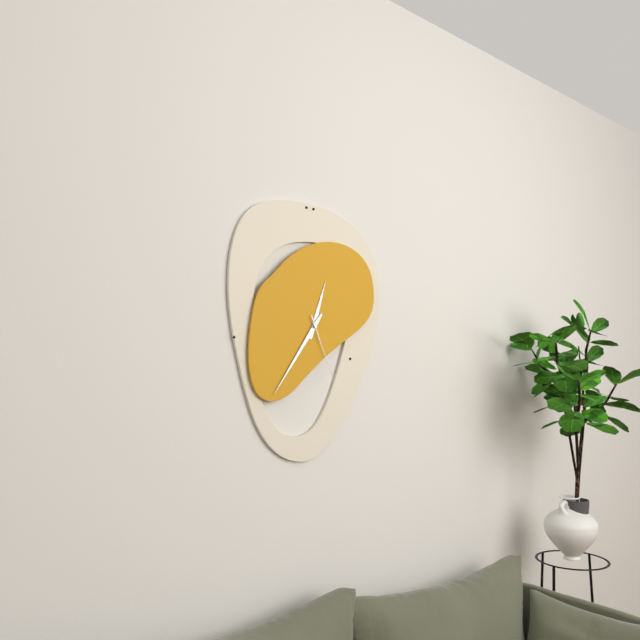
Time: {"hour": 12, "minute": 36, "second": 26}
